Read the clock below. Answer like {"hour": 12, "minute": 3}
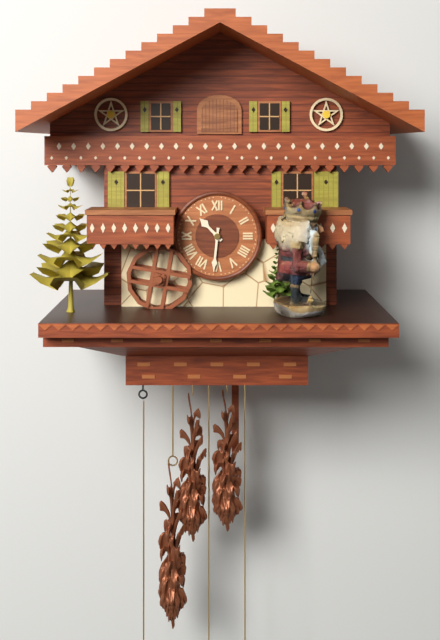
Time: {"hour": 10, "minute": 31}
